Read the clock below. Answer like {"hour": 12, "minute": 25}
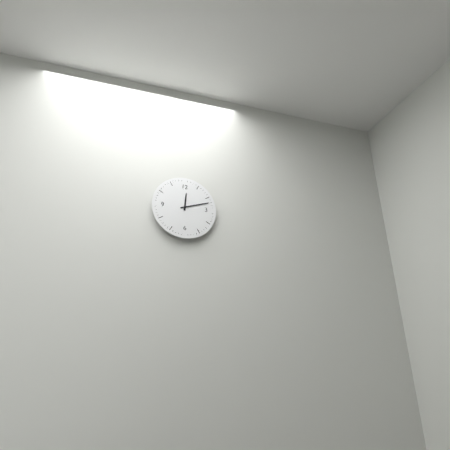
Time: {"hour": 12, "minute": 12}
